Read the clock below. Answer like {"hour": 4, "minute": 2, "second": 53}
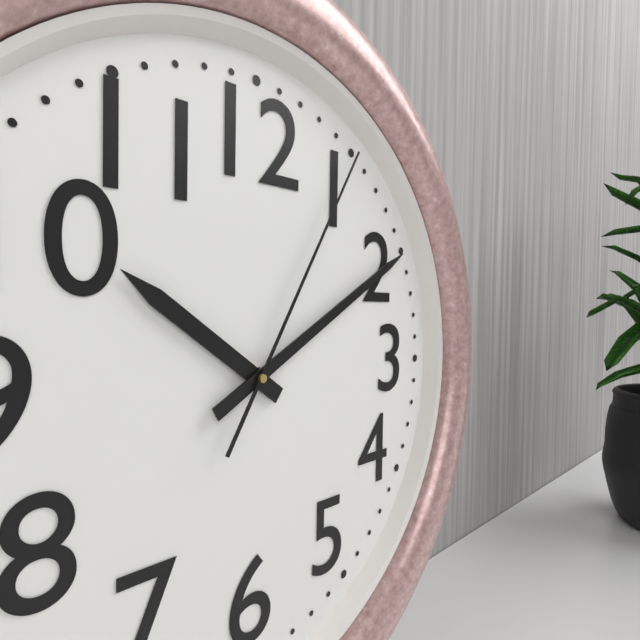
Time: {"hour": 10, "minute": 10, "second": 5}
